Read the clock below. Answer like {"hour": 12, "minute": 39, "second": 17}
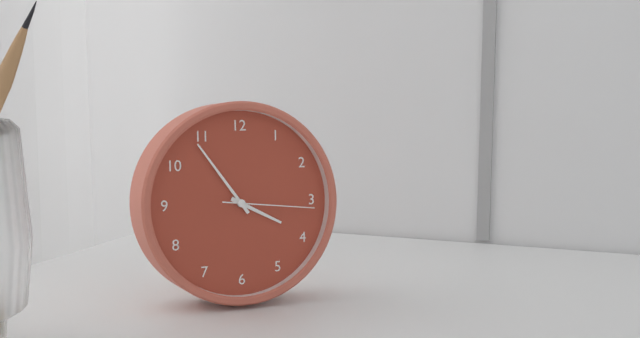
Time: {"hour": 3, "minute": 54, "second": 16}
